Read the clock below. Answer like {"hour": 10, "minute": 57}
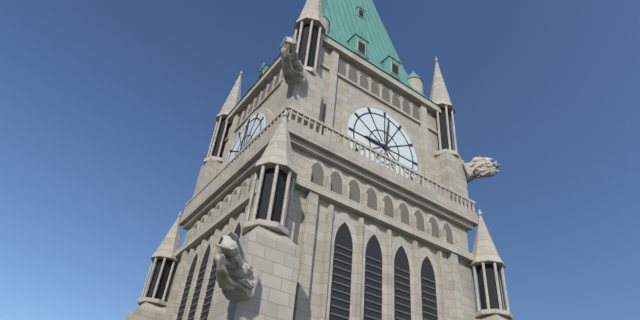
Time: {"hour": 9, "minute": 1}
